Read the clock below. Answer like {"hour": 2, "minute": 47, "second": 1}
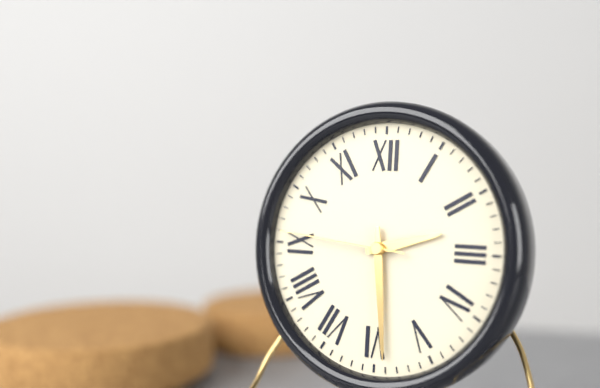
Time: {"hour": 2, "minute": 29, "second": 46}
